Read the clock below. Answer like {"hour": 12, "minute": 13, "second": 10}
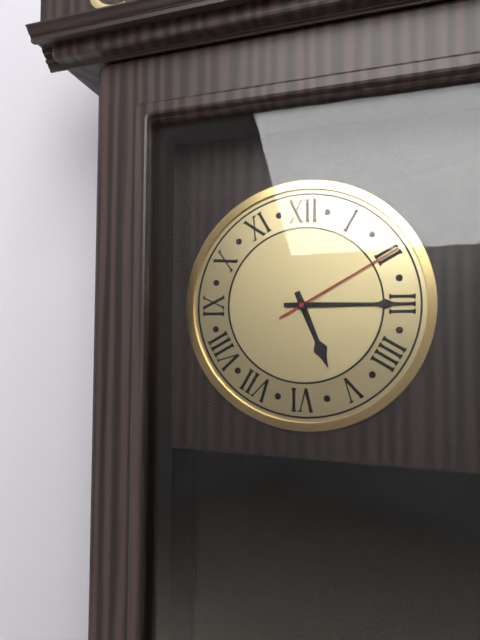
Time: {"hour": 5, "minute": 15, "second": 10}
